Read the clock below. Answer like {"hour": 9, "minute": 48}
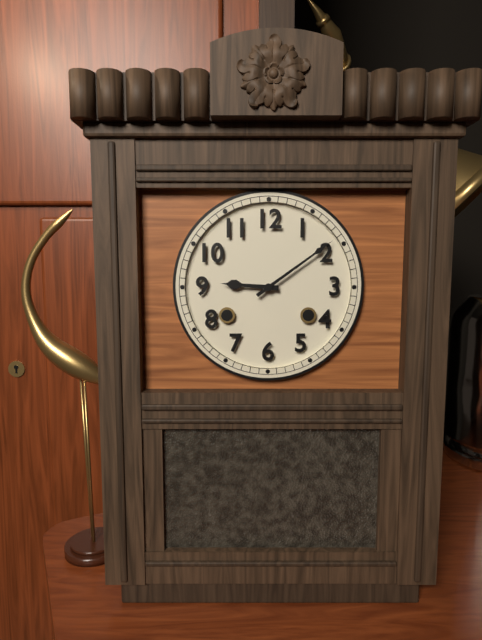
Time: {"hour": 9, "minute": 9}
